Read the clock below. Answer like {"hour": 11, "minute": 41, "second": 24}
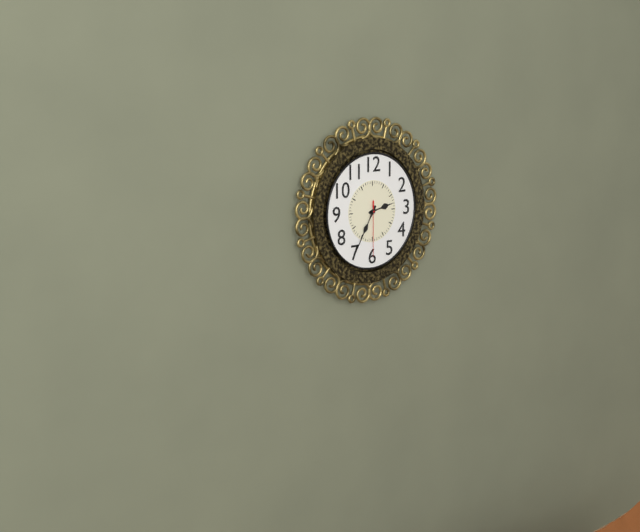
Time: {"hour": 2, "minute": 35, "second": 30}
